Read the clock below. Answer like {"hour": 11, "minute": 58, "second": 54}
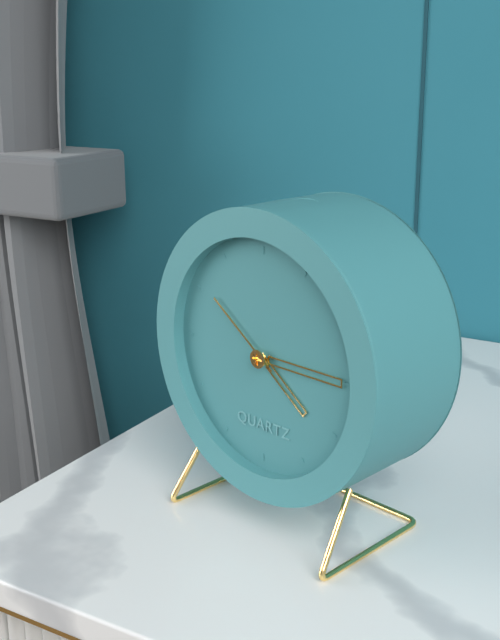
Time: {"hour": 4, "minute": 15, "second": 51}
